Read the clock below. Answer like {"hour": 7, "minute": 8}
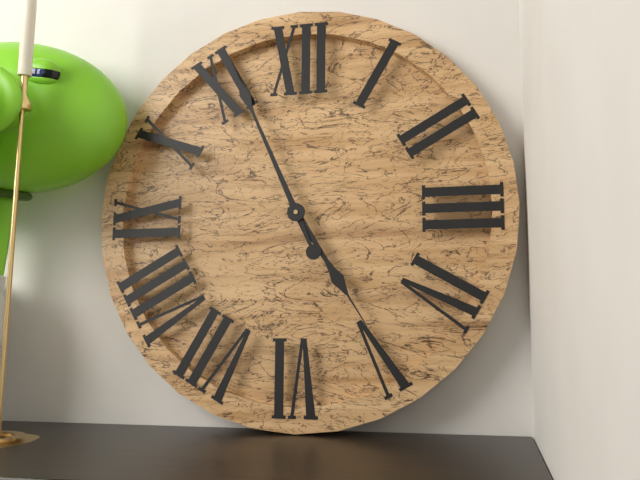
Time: {"hour": 4, "minute": 56}
